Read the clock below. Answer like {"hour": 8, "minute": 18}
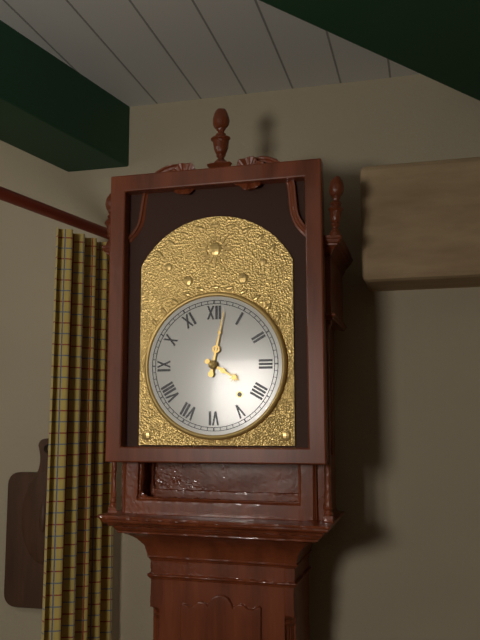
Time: {"hour": 4, "minute": 2}
